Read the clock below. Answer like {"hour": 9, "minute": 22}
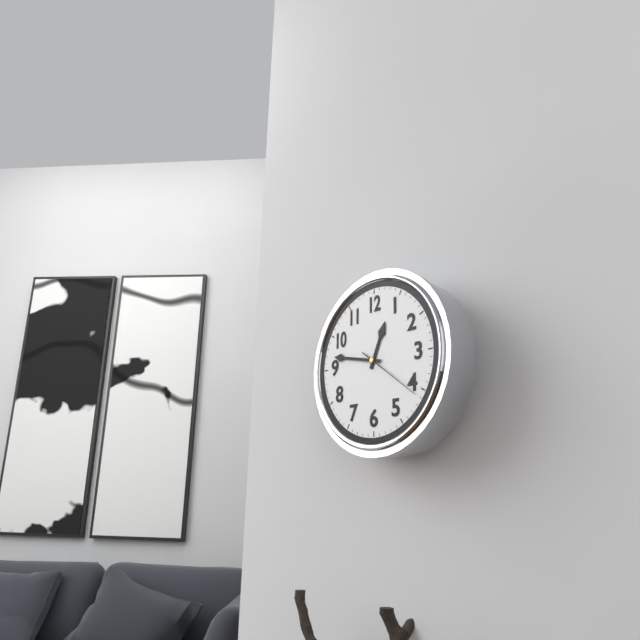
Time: {"hour": 12, "minute": 47}
